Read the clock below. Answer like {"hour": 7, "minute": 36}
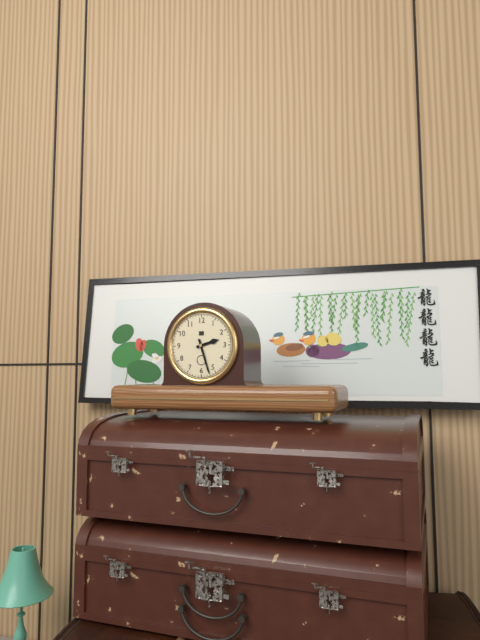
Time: {"hour": 2, "minute": 27}
